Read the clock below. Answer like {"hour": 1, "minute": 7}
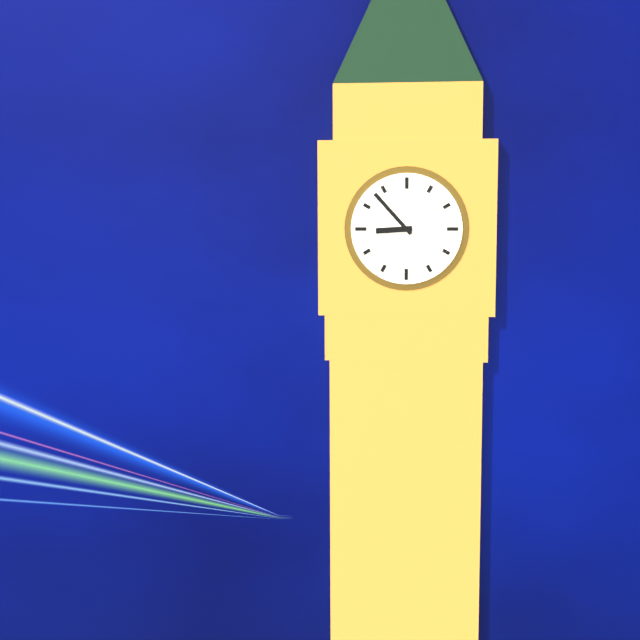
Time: {"hour": 8, "minute": 53}
